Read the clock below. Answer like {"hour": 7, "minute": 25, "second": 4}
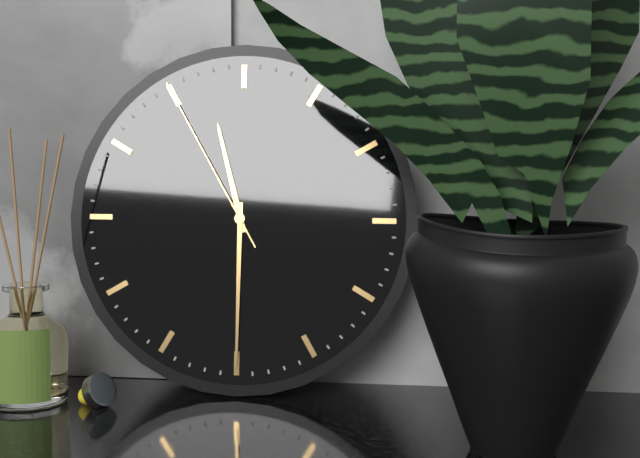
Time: {"hour": 11, "minute": 30, "second": 55}
